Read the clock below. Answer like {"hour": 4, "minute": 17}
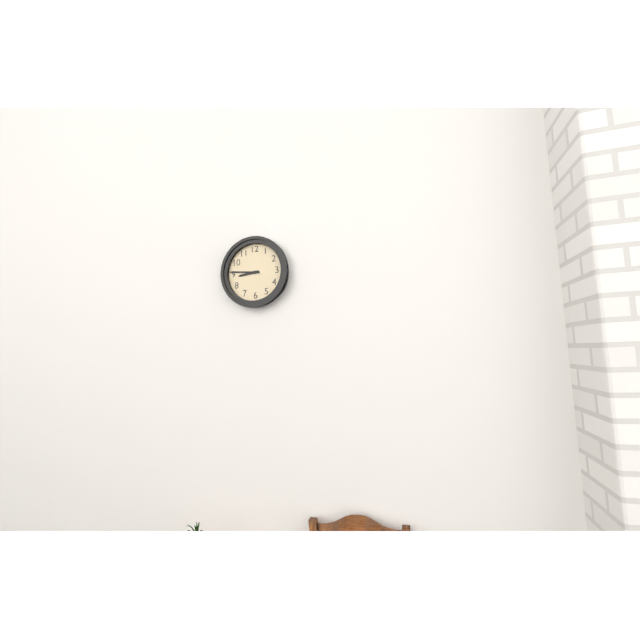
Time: {"hour": 8, "minute": 46}
